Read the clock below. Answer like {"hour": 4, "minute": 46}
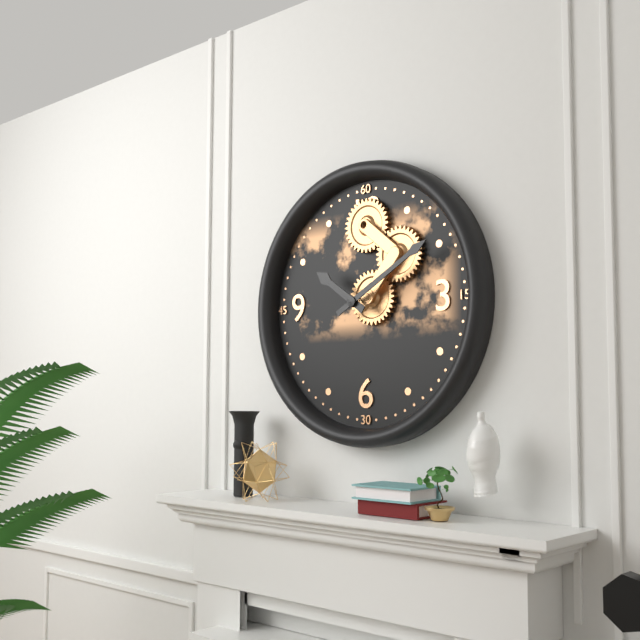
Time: {"hour": 10, "minute": 10}
